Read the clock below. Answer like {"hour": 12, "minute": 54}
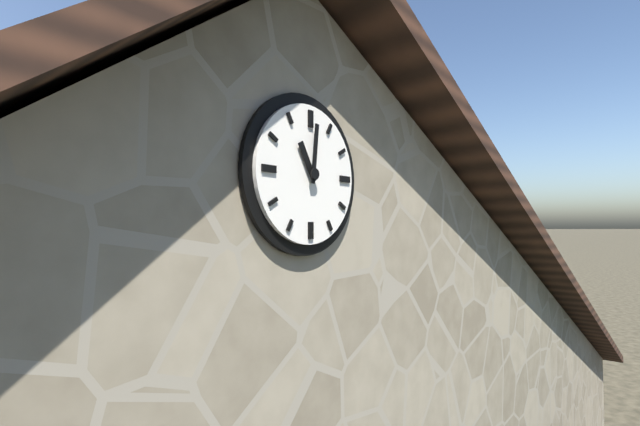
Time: {"hour": 11, "minute": 1}
